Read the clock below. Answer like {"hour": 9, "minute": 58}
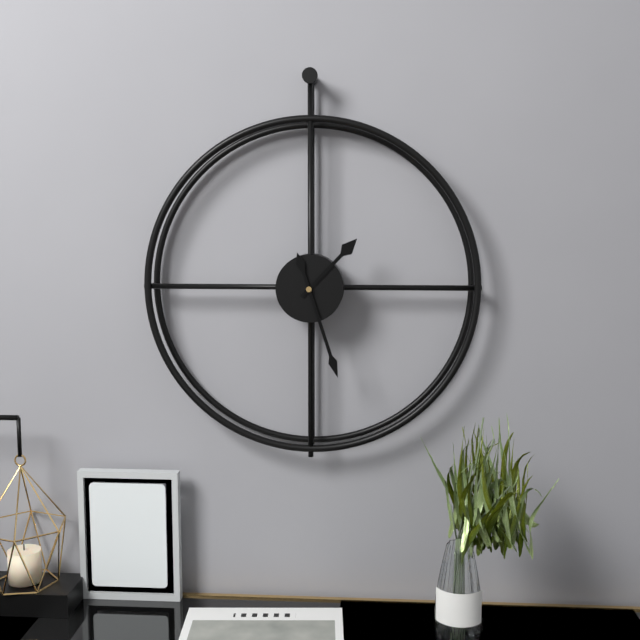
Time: {"hour": 1, "minute": 27}
